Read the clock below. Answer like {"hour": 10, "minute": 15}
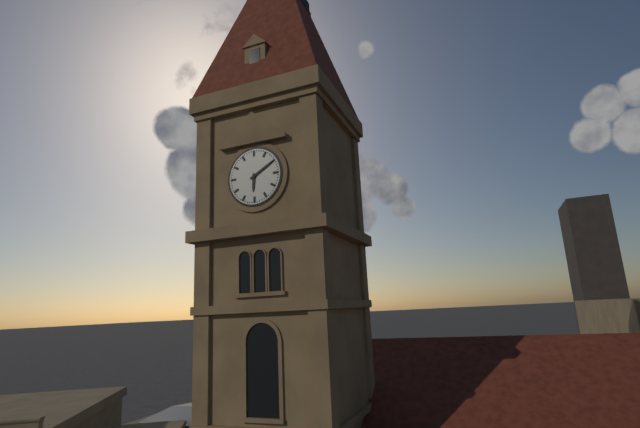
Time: {"hour": 6, "minute": 10}
